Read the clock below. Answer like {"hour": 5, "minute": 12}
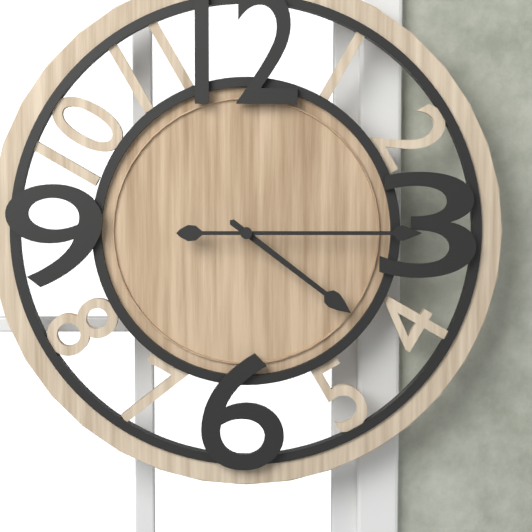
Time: {"hour": 4, "minute": 15}
